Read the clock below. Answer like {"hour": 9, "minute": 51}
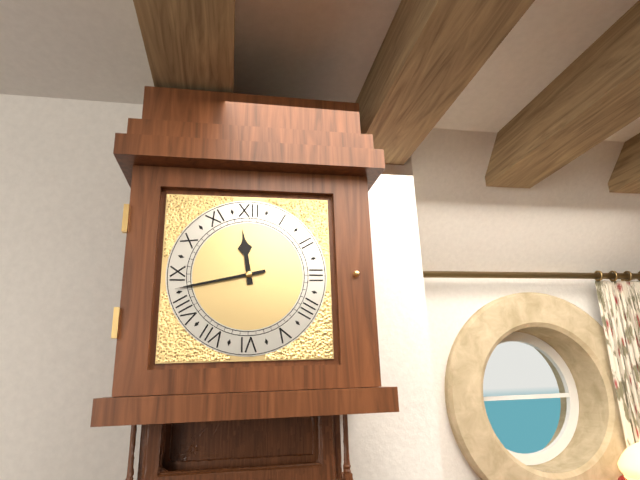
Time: {"hour": 11, "minute": 43}
